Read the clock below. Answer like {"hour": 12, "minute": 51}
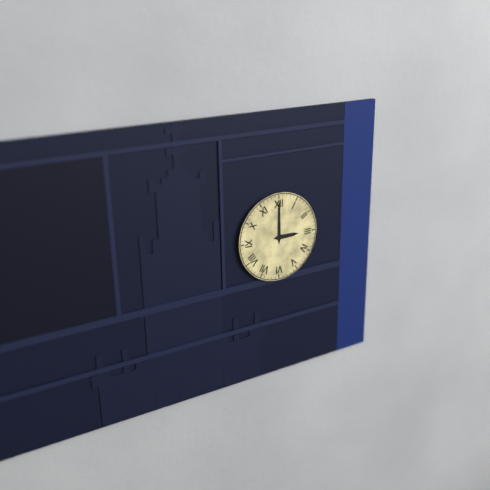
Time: {"hour": 3, "minute": 0}
